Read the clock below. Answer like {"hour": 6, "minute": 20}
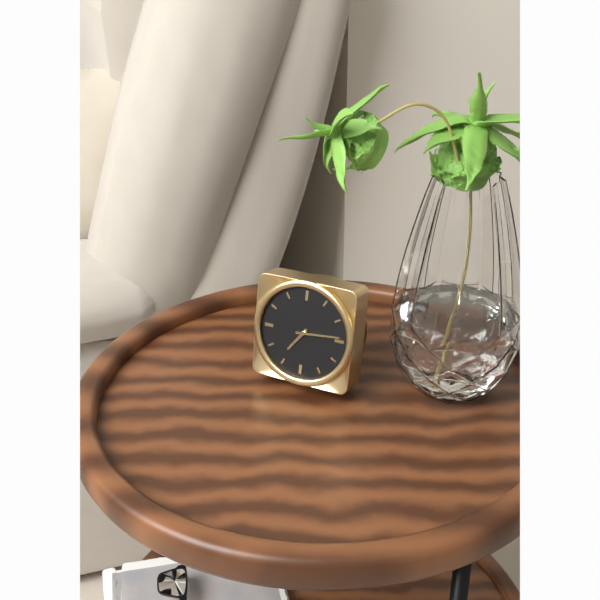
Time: {"hour": 7, "minute": 14}
